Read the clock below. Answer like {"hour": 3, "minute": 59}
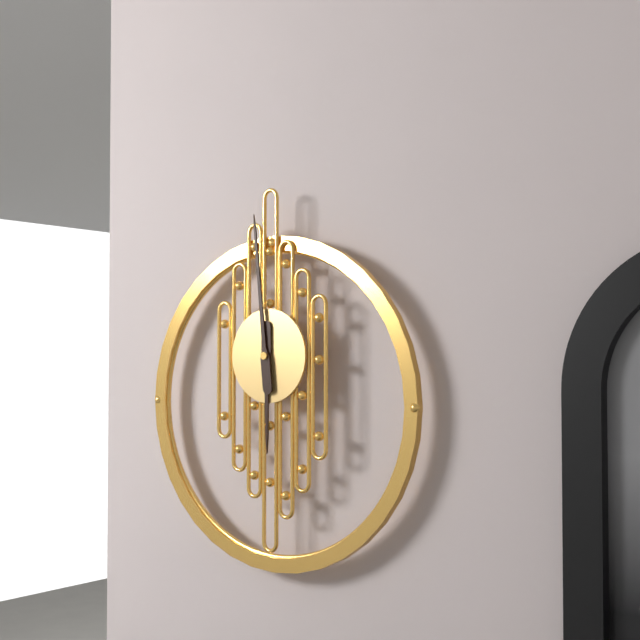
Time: {"hour": 5, "minute": 59}
